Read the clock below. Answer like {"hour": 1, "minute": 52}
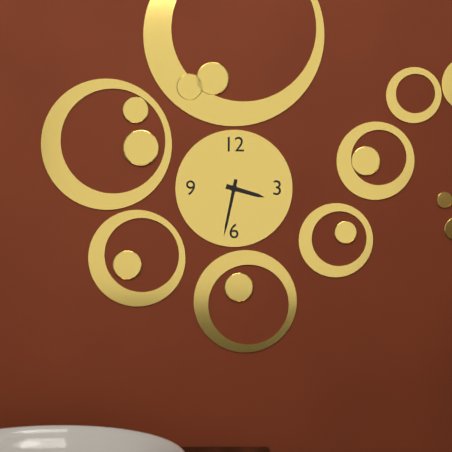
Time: {"hour": 3, "minute": 32}
